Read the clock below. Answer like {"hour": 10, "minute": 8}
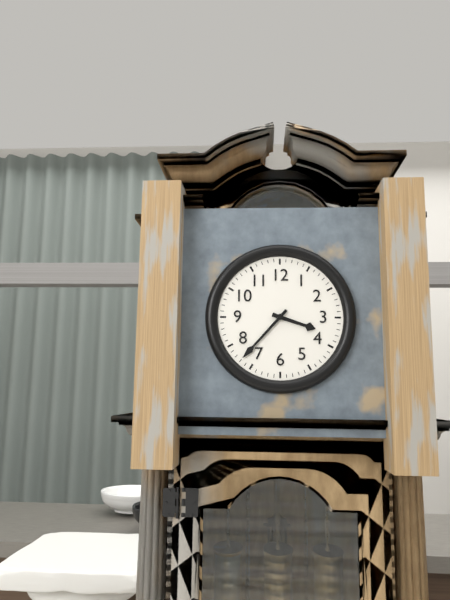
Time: {"hour": 3, "minute": 37}
